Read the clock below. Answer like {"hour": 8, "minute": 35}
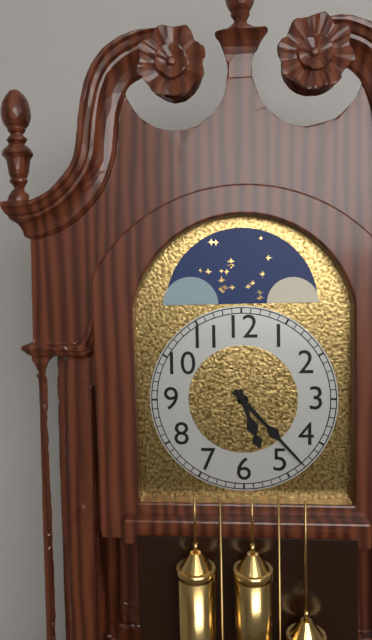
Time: {"hour": 5, "minute": 23}
